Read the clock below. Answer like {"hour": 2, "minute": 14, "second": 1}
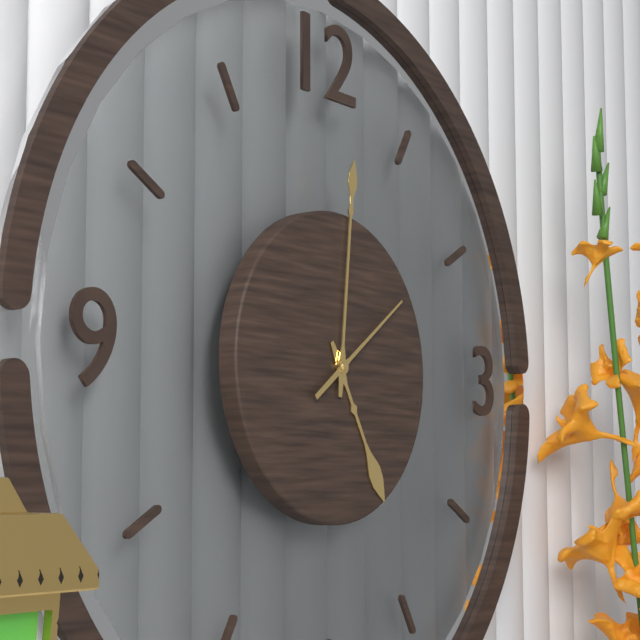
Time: {"hour": 5, "minute": 1, "second": 9}
